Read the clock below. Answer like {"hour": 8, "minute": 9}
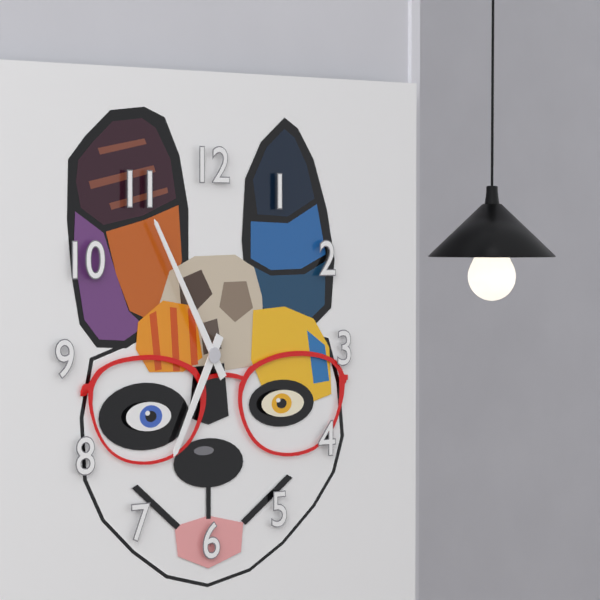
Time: {"hour": 6, "minute": 55}
